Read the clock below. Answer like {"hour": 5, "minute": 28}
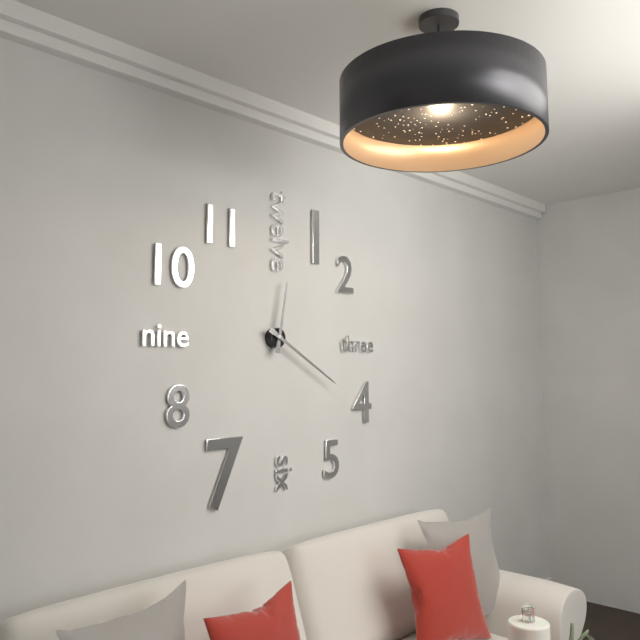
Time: {"hour": 12, "minute": 20}
